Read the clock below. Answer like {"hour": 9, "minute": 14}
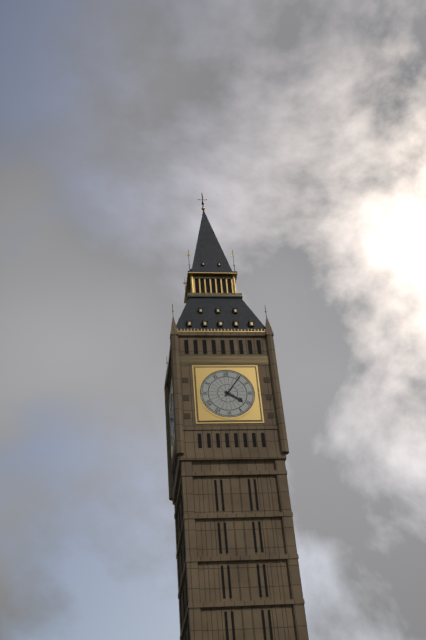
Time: {"hour": 4, "minute": 6}
